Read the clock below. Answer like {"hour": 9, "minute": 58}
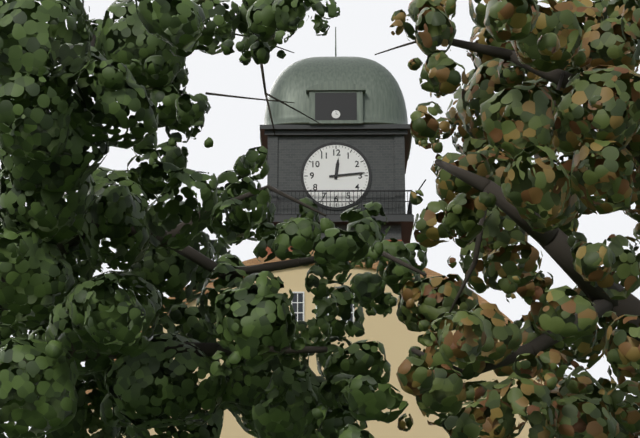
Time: {"hour": 12, "minute": 14}
